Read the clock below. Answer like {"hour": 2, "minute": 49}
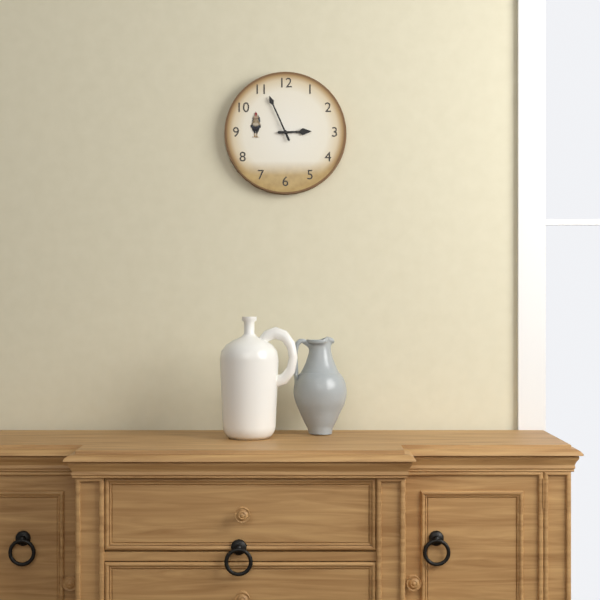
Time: {"hour": 2, "minute": 56}
